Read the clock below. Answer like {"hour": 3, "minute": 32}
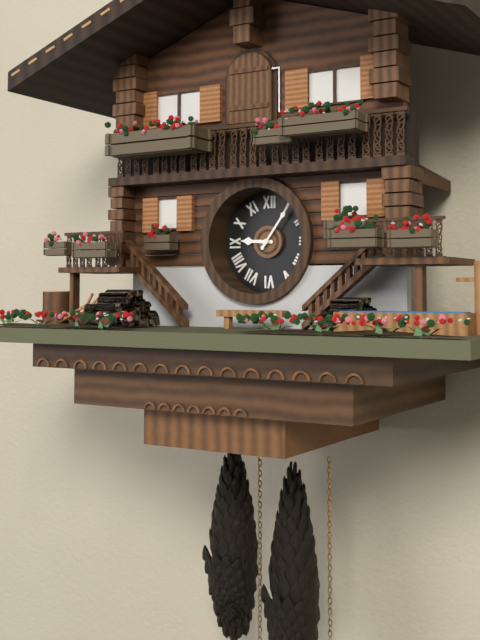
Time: {"hour": 9, "minute": 6}
